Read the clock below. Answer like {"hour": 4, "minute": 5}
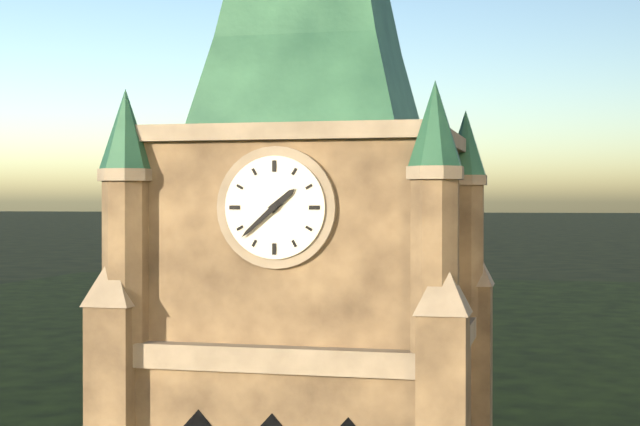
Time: {"hour": 1, "minute": 38}
